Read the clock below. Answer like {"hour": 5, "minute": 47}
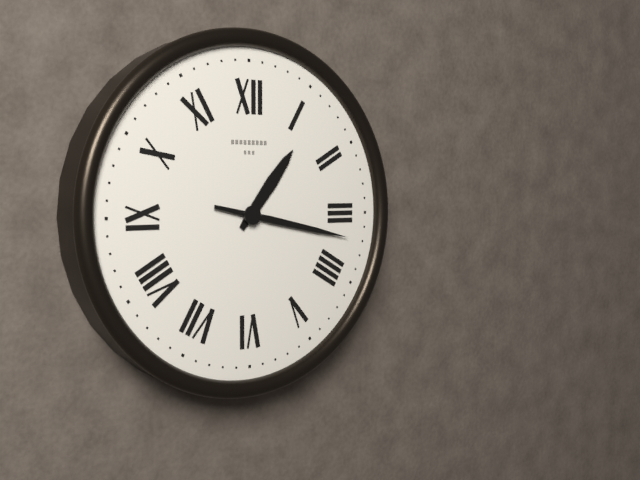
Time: {"hour": 1, "minute": 17}
